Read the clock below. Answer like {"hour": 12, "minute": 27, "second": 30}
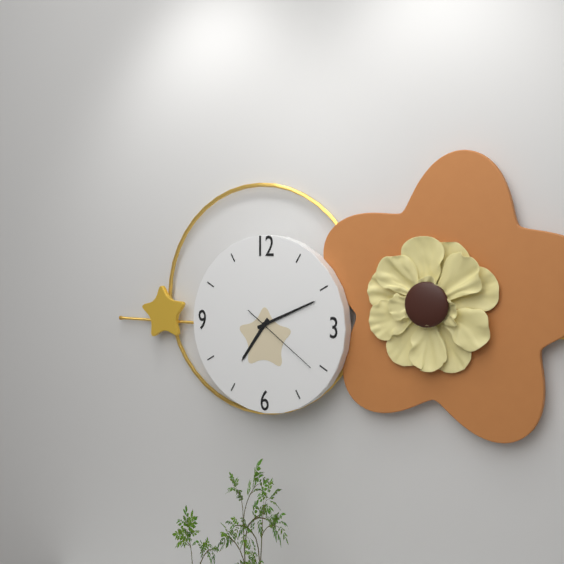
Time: {"hour": 7, "minute": 11, "second": 21}
